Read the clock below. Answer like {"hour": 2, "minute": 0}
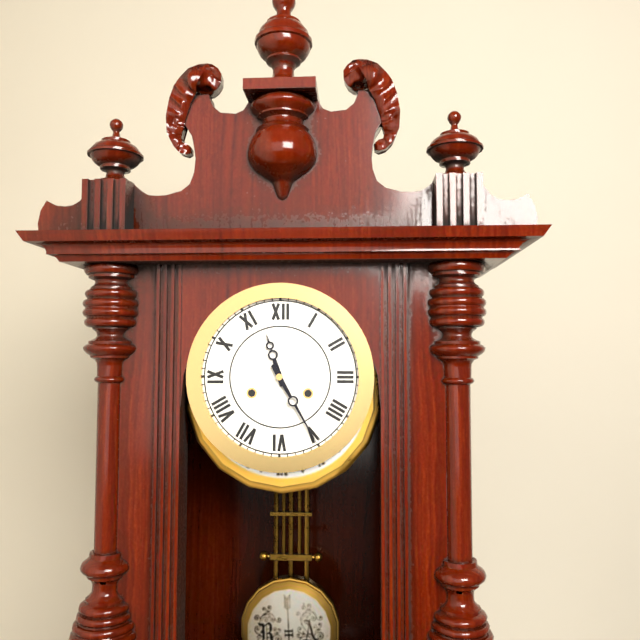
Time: {"hour": 11, "minute": 25}
